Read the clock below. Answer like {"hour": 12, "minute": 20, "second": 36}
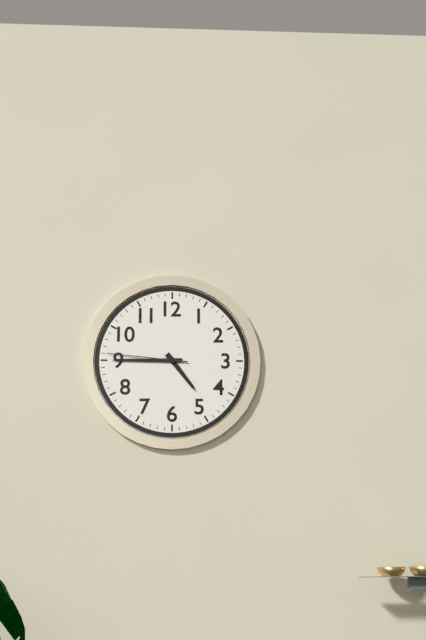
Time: {"hour": 4, "minute": 45, "second": 46}
